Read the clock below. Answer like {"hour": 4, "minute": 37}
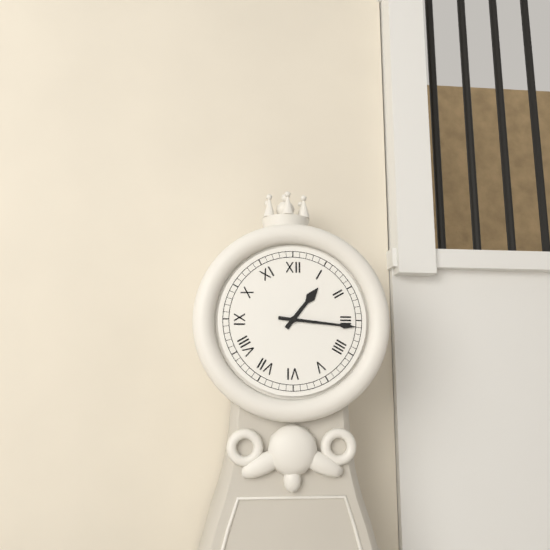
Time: {"hour": 1, "minute": 16}
